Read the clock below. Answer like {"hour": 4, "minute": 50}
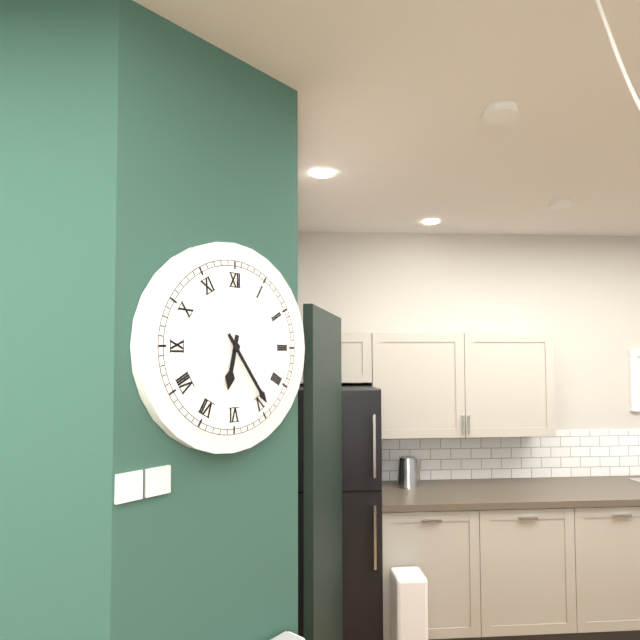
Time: {"hour": 6, "minute": 24}
